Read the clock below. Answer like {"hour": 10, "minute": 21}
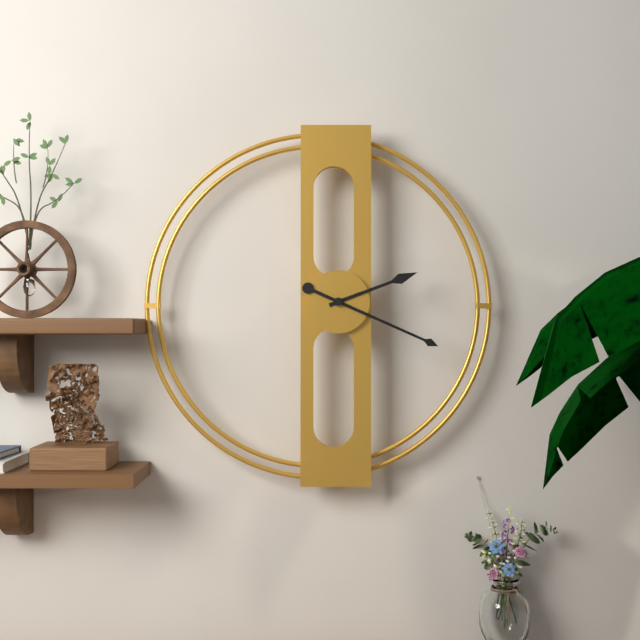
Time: {"hour": 2, "minute": 19}
